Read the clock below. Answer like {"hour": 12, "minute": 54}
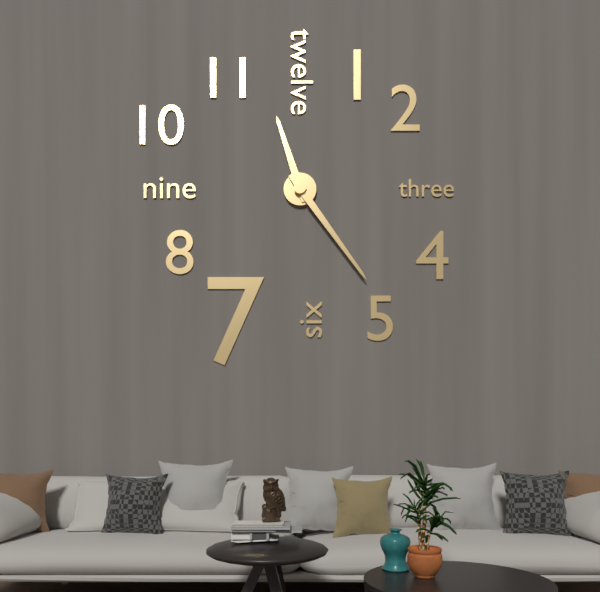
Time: {"hour": 11, "minute": 24}
